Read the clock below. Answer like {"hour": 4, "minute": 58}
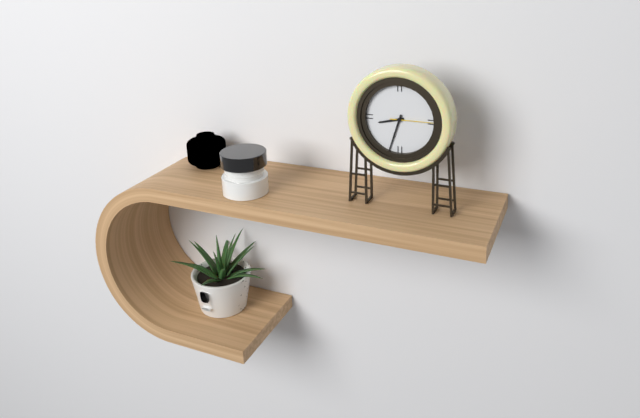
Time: {"hour": 8, "minute": 33}
